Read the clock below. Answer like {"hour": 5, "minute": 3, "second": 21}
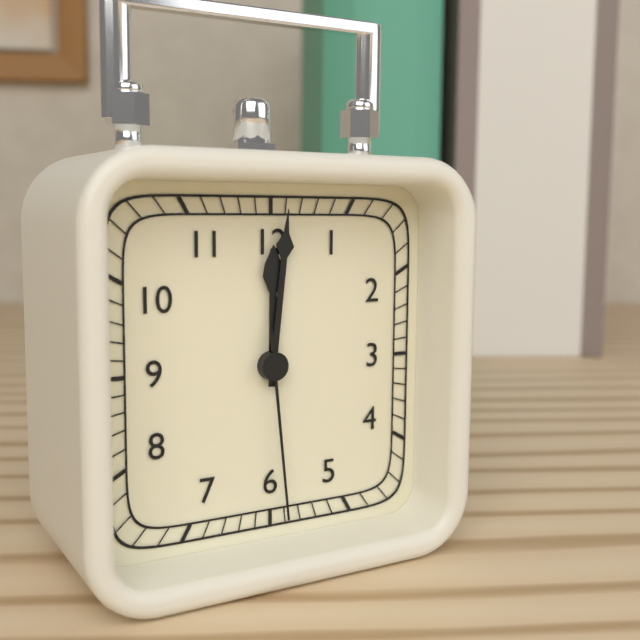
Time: {"hour": 12, "minute": 1, "second": 29}
